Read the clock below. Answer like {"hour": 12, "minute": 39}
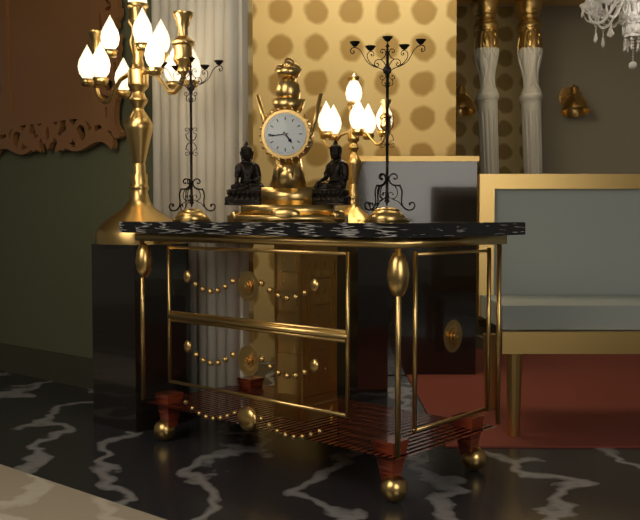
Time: {"hour": 4, "minute": 44}
